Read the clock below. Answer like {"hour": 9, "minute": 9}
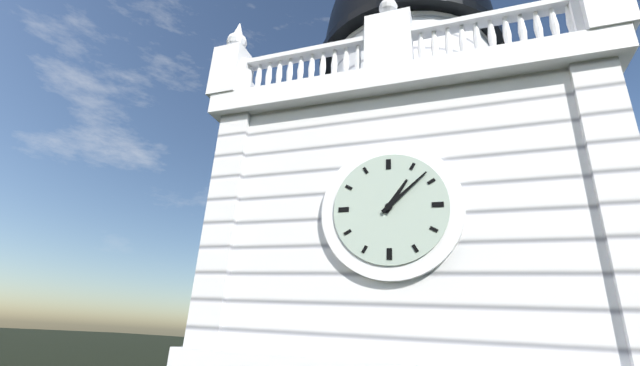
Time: {"hour": 1, "minute": 8}
